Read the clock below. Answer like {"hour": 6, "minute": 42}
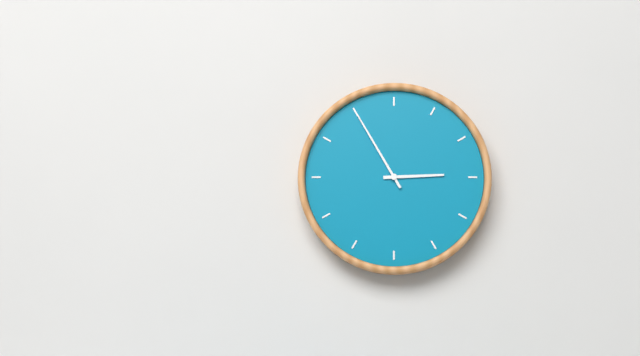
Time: {"hour": 2, "minute": 55}
